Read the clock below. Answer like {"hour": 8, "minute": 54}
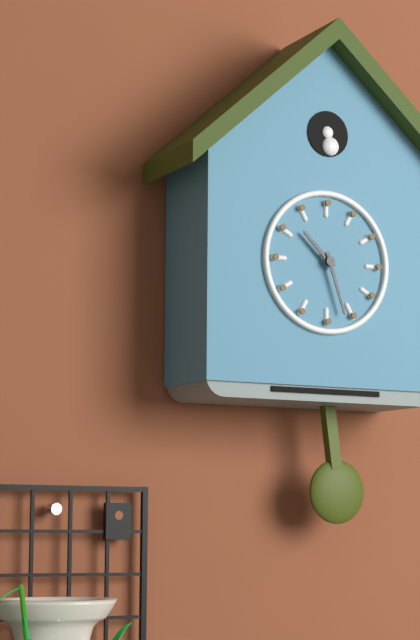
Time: {"hour": 10, "minute": 27}
